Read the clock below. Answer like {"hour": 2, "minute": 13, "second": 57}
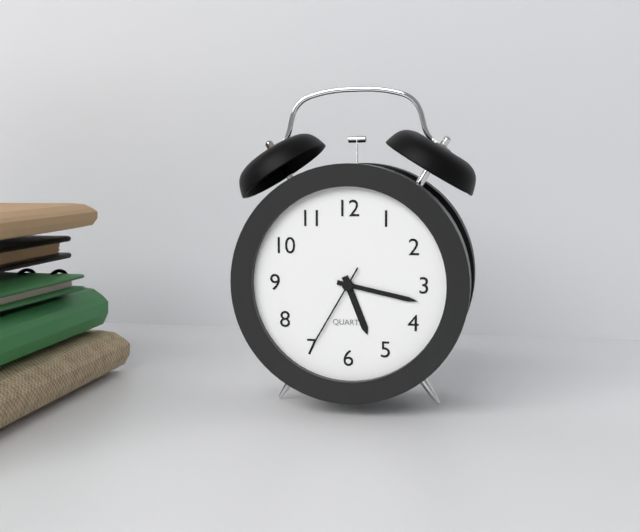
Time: {"hour": 5, "minute": 17, "second": 35}
